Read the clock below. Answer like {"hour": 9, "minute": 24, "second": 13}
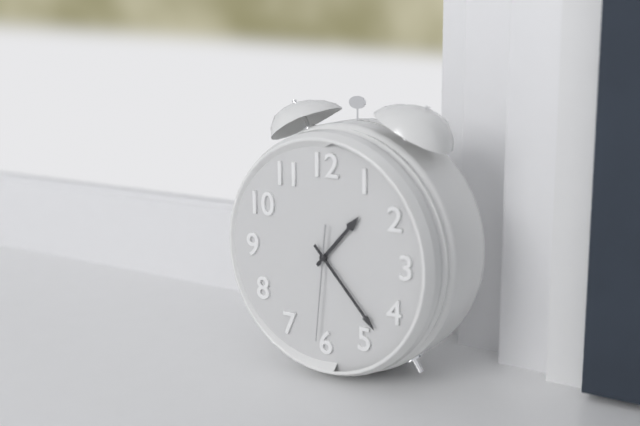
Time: {"hour": 1, "minute": 23, "second": 31}
